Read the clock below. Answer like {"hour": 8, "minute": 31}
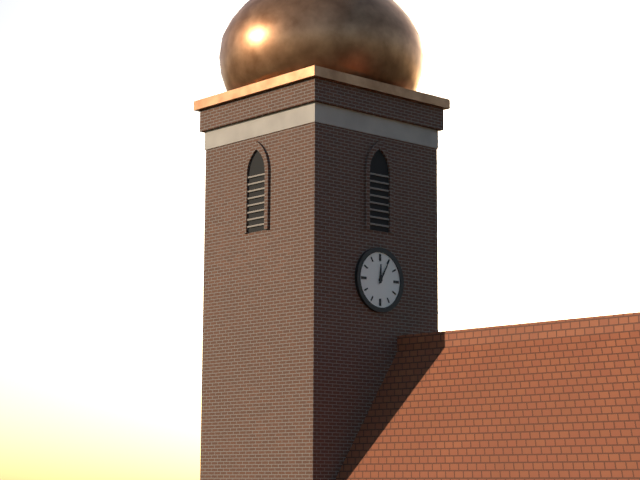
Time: {"hour": 12, "minute": 5}
